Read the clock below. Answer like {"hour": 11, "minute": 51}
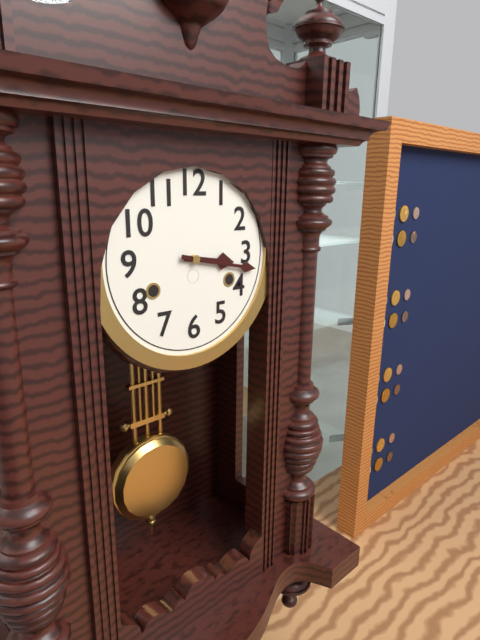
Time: {"hour": 3, "minute": 17}
